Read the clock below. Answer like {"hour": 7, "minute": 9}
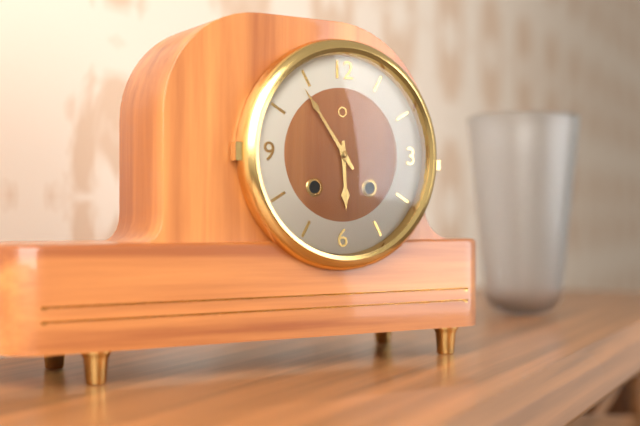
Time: {"hour": 5, "minute": 54}
